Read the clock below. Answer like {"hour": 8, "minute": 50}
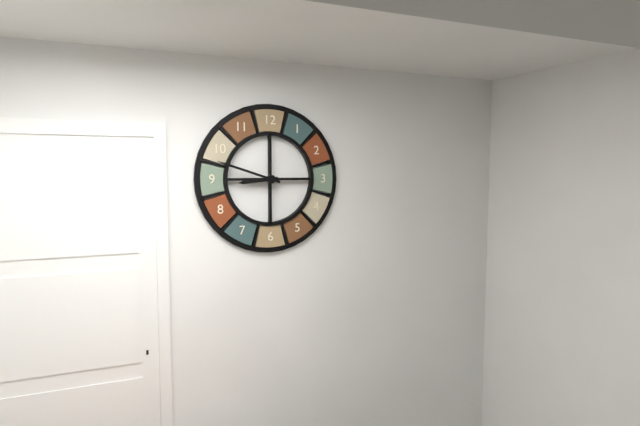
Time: {"hour": 8, "minute": 48}
